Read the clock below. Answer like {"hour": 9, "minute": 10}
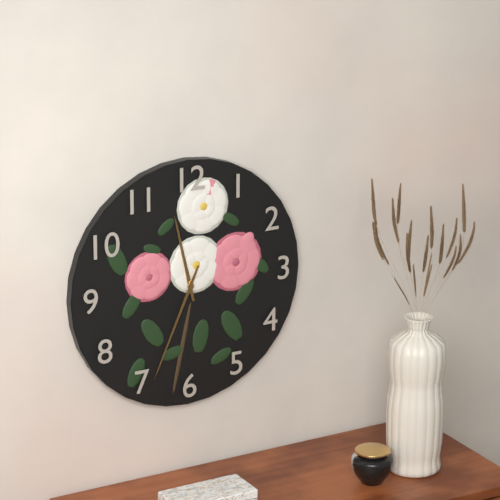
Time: {"hour": 11, "minute": 34}
